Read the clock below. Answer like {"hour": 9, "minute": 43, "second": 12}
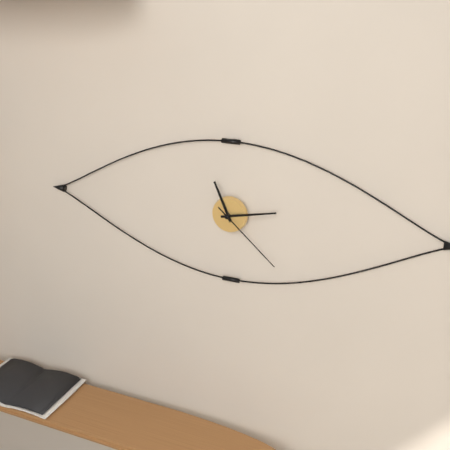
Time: {"hour": 11, "minute": 13, "second": 22}
